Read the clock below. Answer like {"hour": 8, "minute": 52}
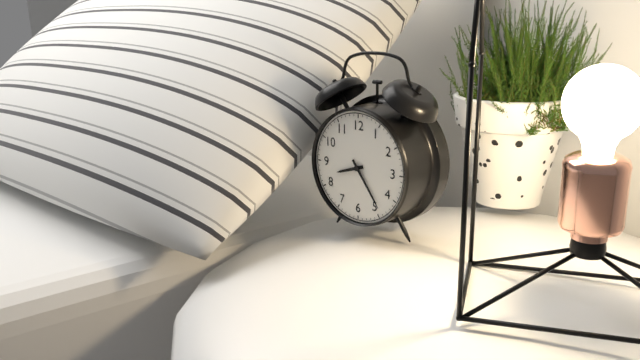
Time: {"hour": 8, "minute": 24}
